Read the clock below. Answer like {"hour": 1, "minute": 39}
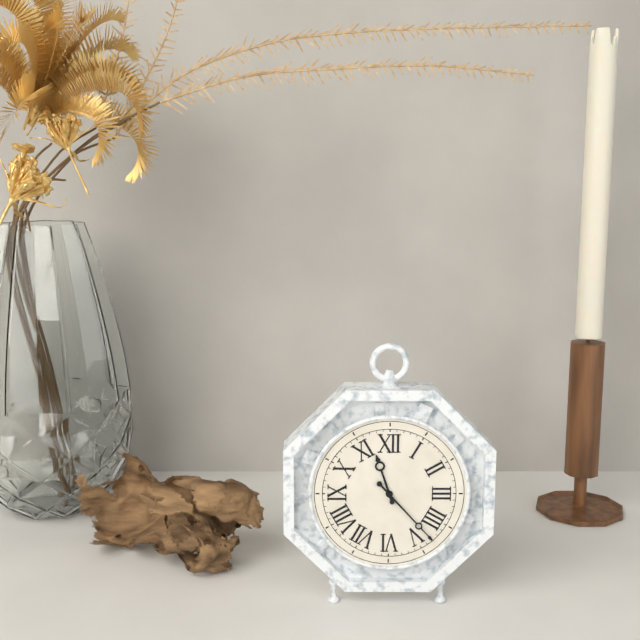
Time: {"hour": 11, "minute": 23}
